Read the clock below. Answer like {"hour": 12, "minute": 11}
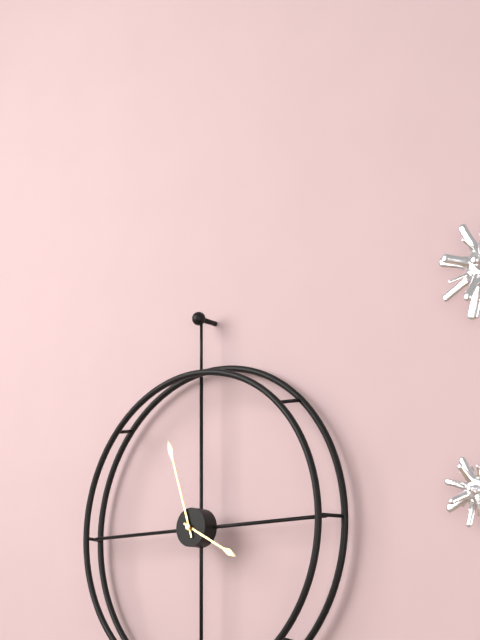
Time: {"hour": 3, "minute": 57}
